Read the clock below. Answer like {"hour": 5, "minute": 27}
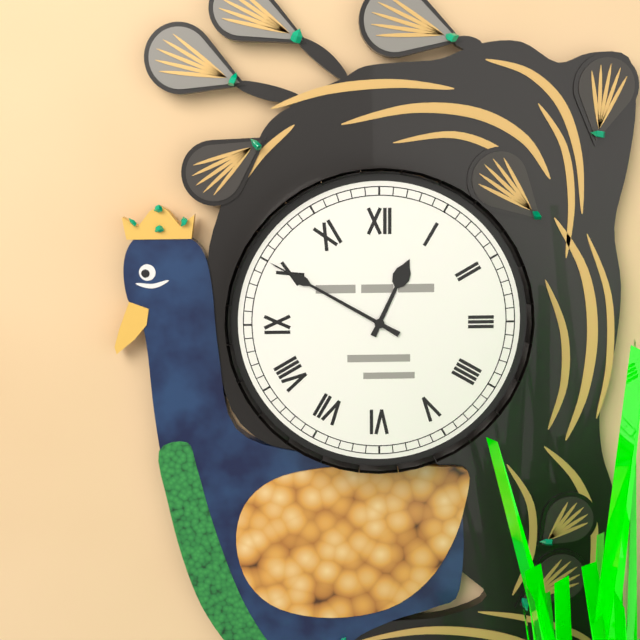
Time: {"hour": 12, "minute": 50}
